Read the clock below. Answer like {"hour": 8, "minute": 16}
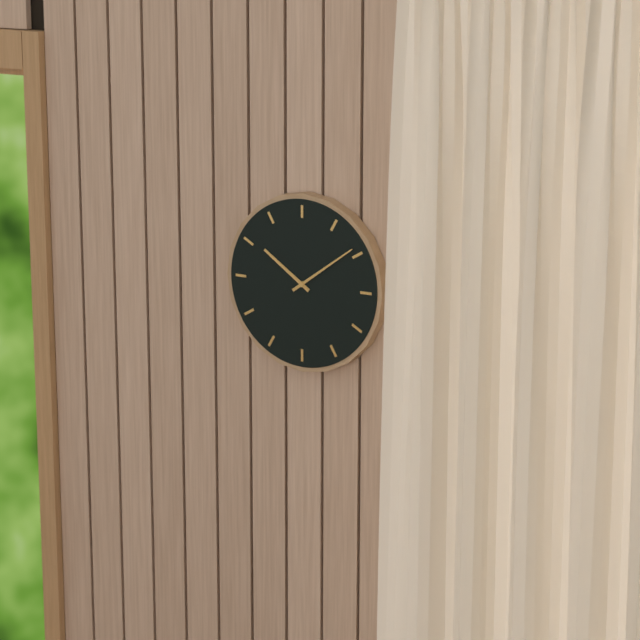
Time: {"hour": 10, "minute": 9}
